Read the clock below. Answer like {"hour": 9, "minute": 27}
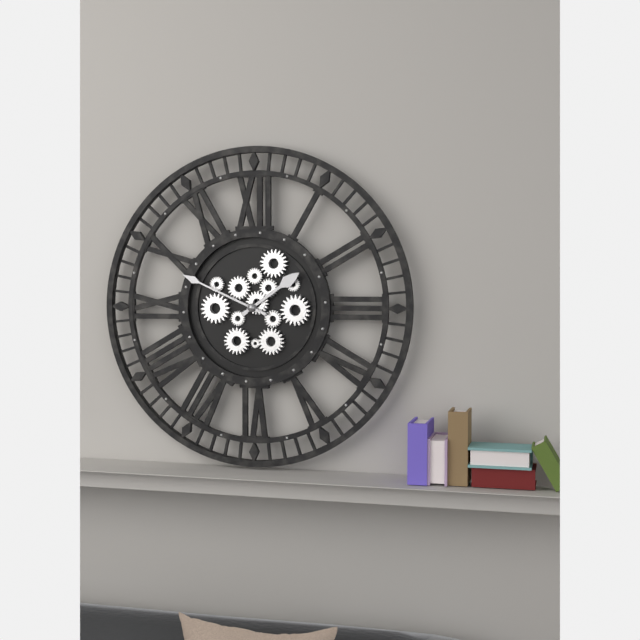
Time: {"hour": 1, "minute": 49}
